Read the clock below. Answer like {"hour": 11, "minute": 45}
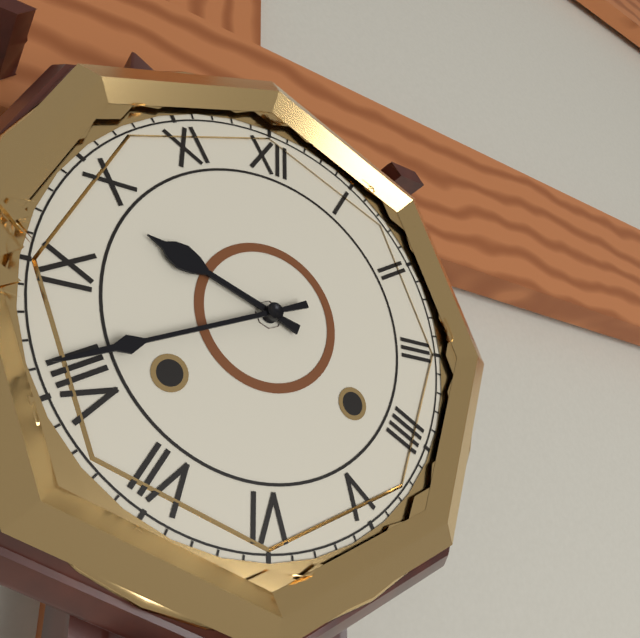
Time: {"hour": 9, "minute": 41}
